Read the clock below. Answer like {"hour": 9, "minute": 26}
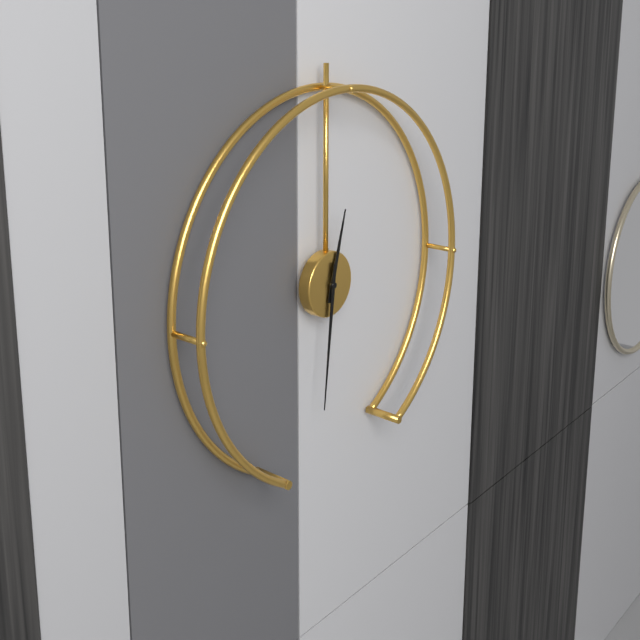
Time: {"hour": 12, "minute": 31}
